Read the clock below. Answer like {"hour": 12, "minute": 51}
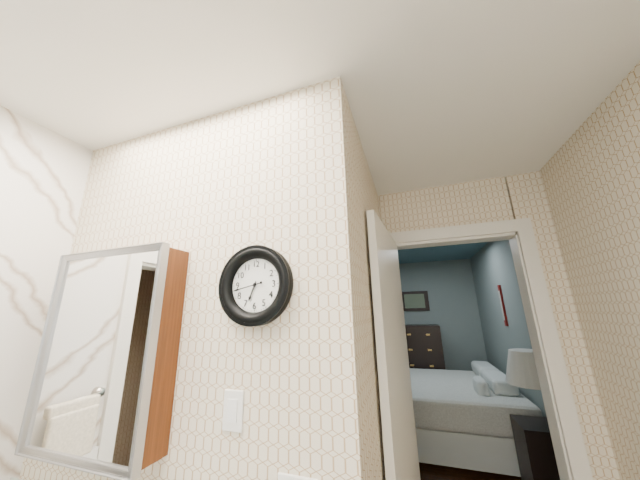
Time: {"hour": 6, "minute": 43}
